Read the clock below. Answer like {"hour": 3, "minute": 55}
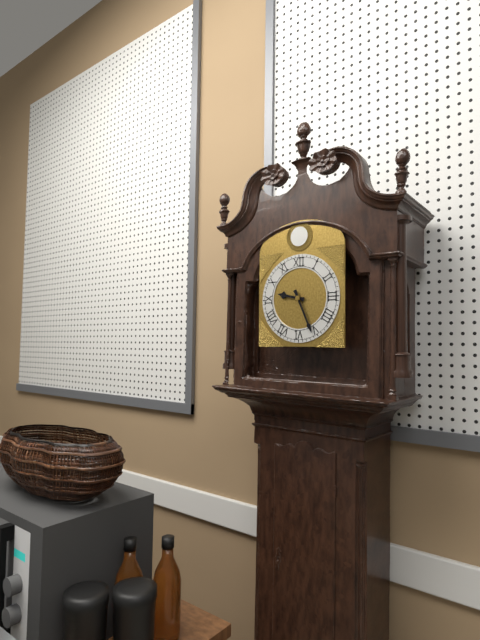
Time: {"hour": 9, "minute": 26}
